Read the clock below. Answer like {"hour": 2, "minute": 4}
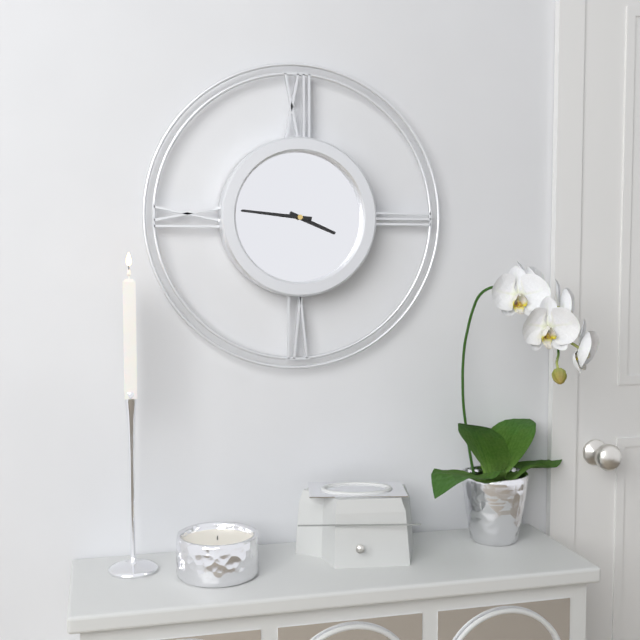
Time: {"hour": 3, "minute": 46}
